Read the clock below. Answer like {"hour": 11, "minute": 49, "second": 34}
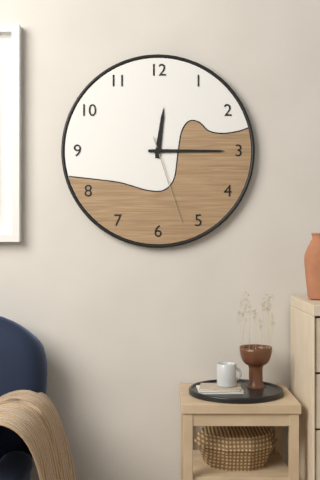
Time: {"hour": 12, "minute": 15, "second": 27}
